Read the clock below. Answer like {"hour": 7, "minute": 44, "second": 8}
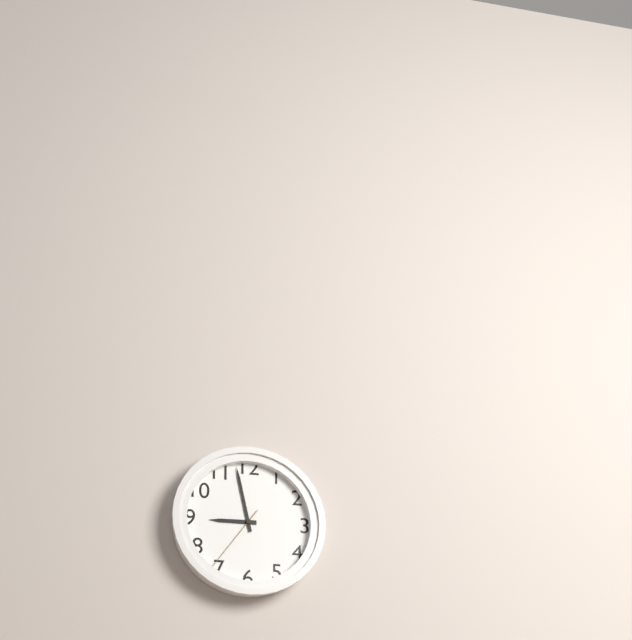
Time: {"hour": 8, "minute": 58, "second": 36}
